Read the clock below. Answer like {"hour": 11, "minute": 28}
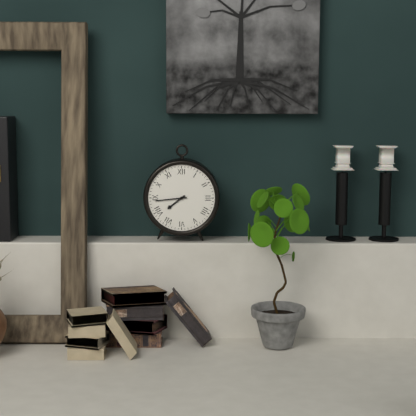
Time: {"hour": 7, "minute": 44}
